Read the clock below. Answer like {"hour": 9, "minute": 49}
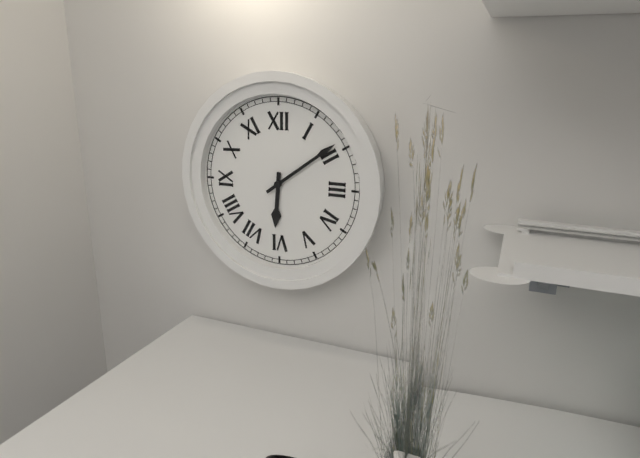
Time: {"hour": 6, "minute": 9}
